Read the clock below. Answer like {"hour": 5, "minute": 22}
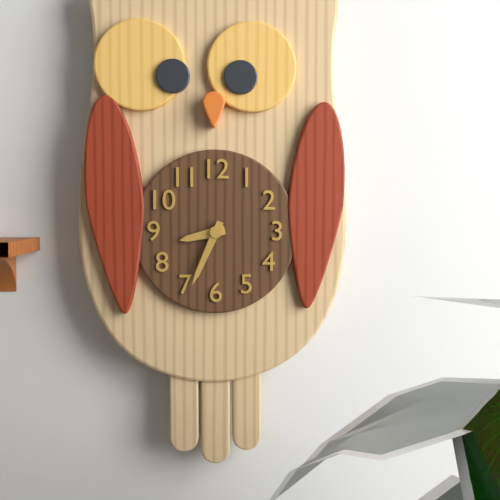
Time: {"hour": 8, "minute": 34}
